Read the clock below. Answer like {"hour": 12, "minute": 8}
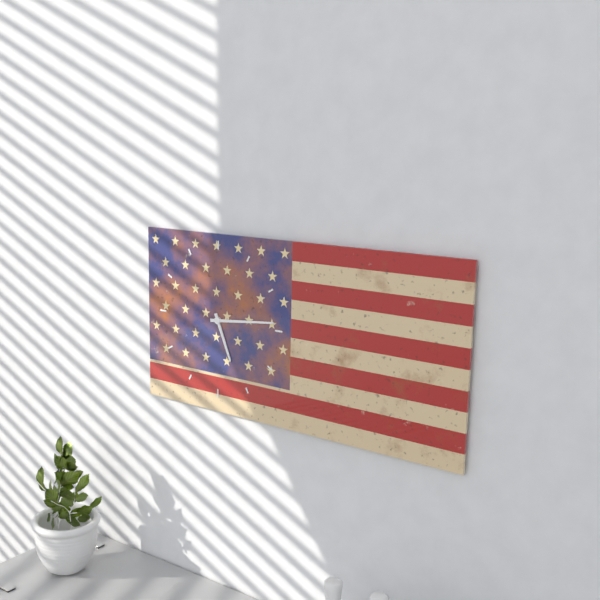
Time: {"hour": 5, "minute": 14}
